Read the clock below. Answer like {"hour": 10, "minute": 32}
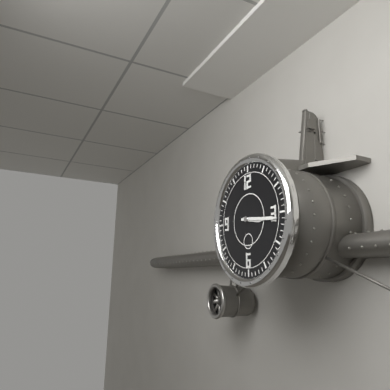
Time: {"hour": 3, "minute": 16}
